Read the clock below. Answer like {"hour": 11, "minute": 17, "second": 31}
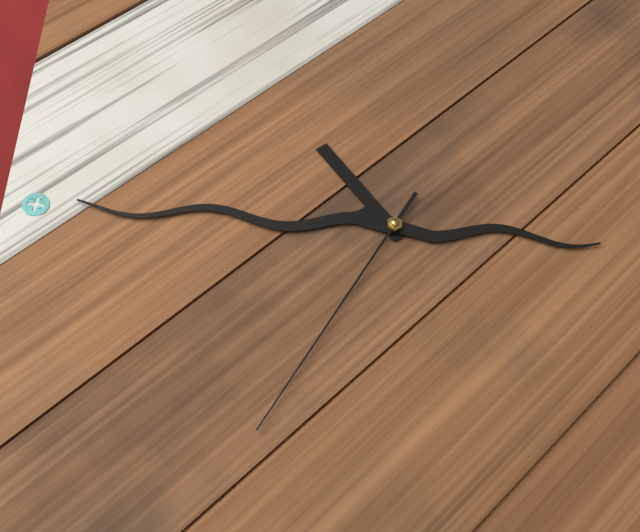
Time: {"hour": 10, "minute": 45, "second": 35}
